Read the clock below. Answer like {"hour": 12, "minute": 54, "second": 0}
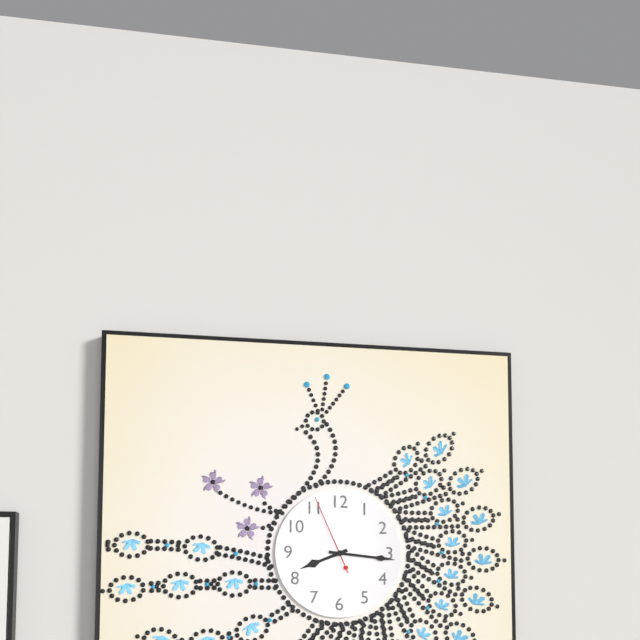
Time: {"hour": 8, "minute": 16, "second": 56}
